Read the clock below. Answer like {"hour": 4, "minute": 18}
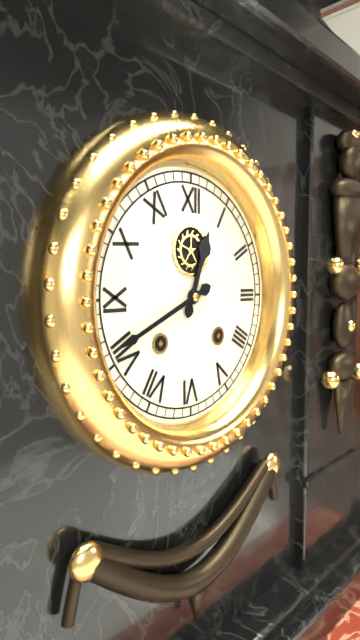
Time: {"hour": 12, "minute": 41}
